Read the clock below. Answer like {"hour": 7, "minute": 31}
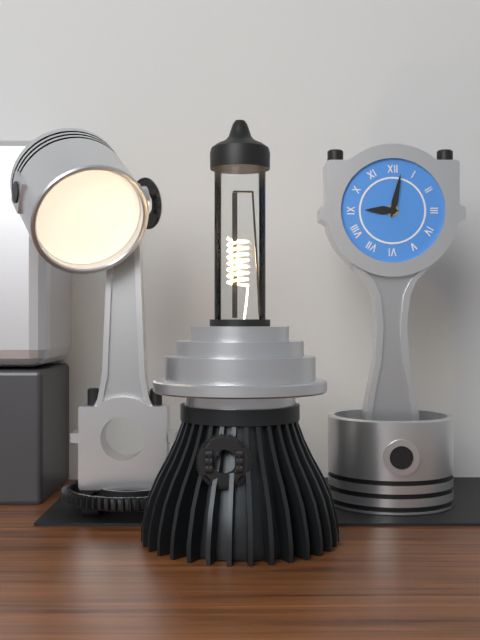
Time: {"hour": 9, "minute": 2}
